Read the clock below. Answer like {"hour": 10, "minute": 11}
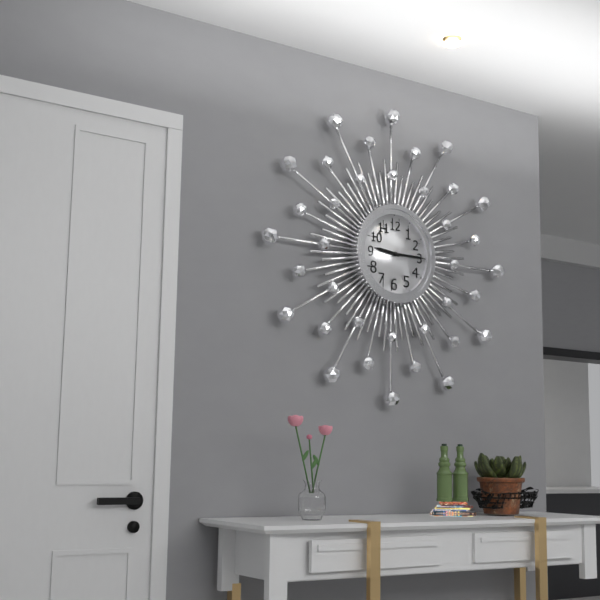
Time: {"hour": 9, "minute": 15}
